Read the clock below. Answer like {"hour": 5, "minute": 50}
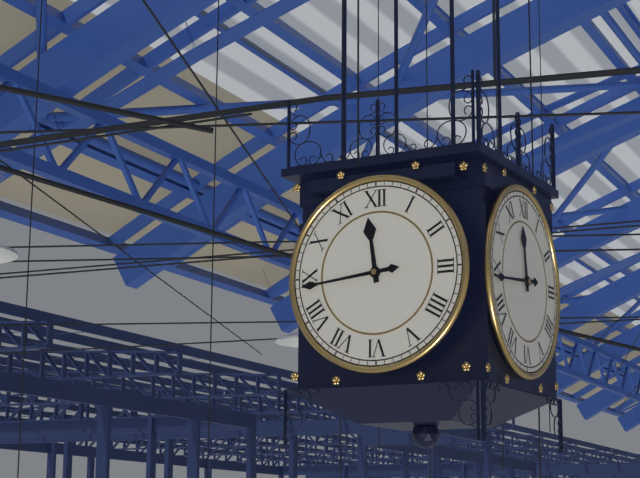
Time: {"hour": 11, "minute": 44}
